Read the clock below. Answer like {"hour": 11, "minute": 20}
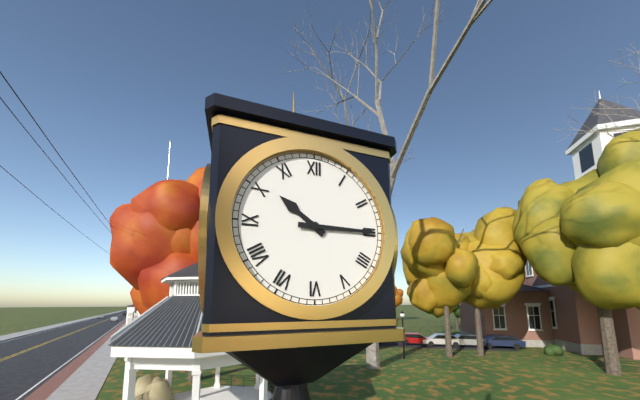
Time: {"hour": 10, "minute": 15}
